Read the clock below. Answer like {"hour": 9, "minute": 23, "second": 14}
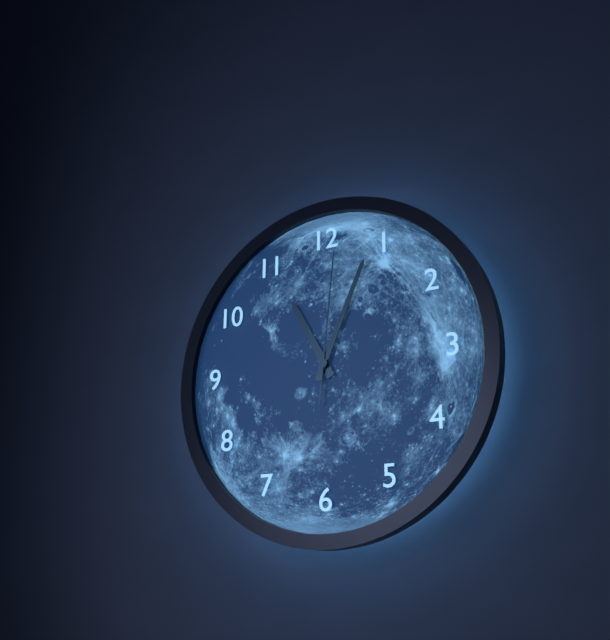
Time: {"hour": 11, "minute": 4, "second": 1}
